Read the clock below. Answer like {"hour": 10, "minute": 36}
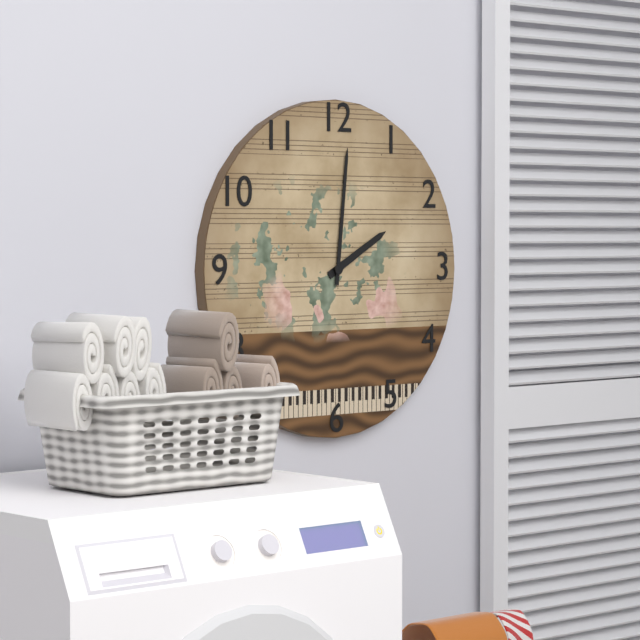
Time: {"hour": 2, "minute": 1}
